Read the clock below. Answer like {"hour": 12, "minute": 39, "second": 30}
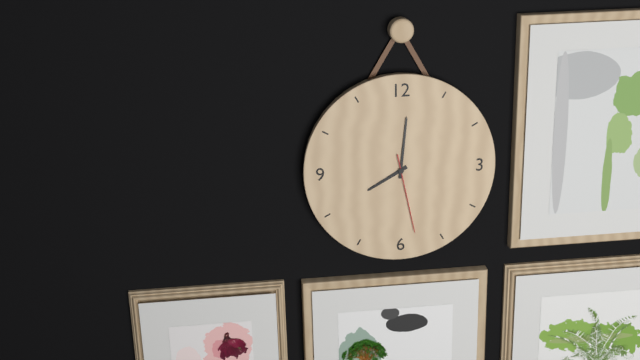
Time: {"hour": 8, "minute": 1, "second": 28}
